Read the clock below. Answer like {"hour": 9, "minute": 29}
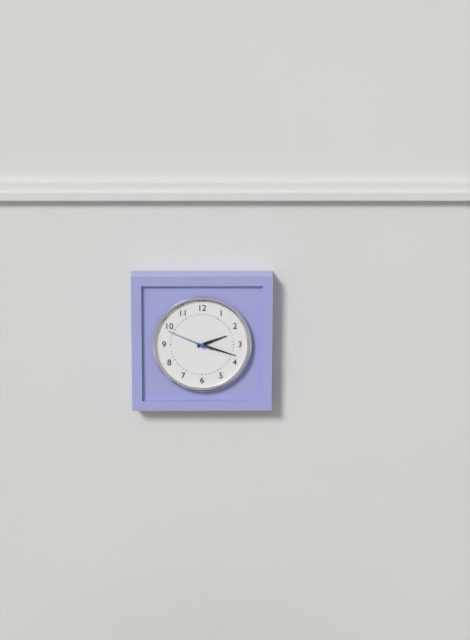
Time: {"hour": 2, "minute": 18}
